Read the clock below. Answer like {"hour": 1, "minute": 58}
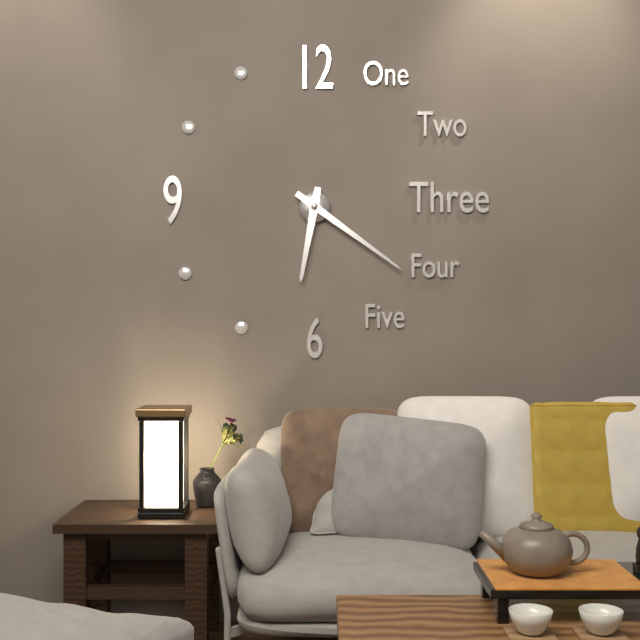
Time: {"hour": 6, "minute": 21}
